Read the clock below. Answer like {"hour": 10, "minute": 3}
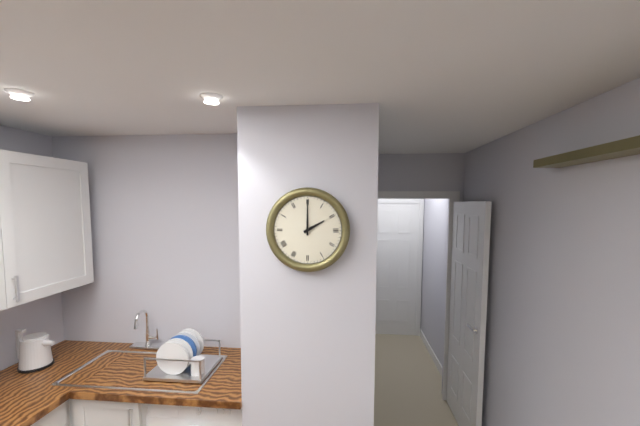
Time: {"hour": 2, "minute": 0}
